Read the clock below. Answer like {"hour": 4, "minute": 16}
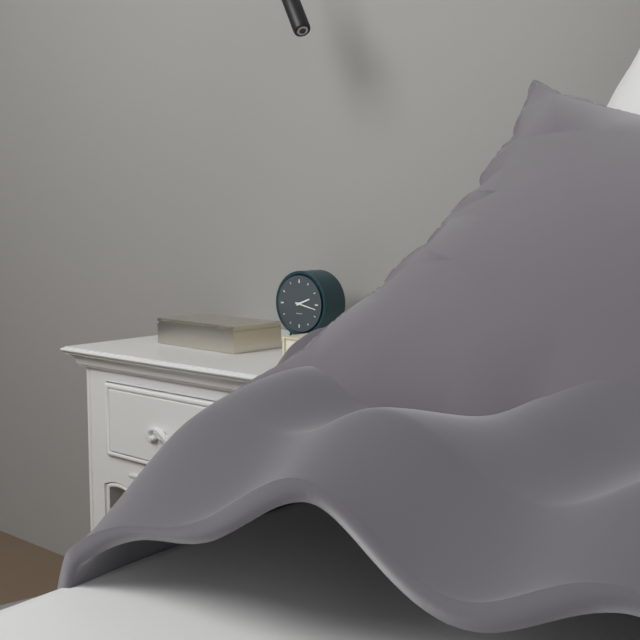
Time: {"hour": 2, "minute": 17}
